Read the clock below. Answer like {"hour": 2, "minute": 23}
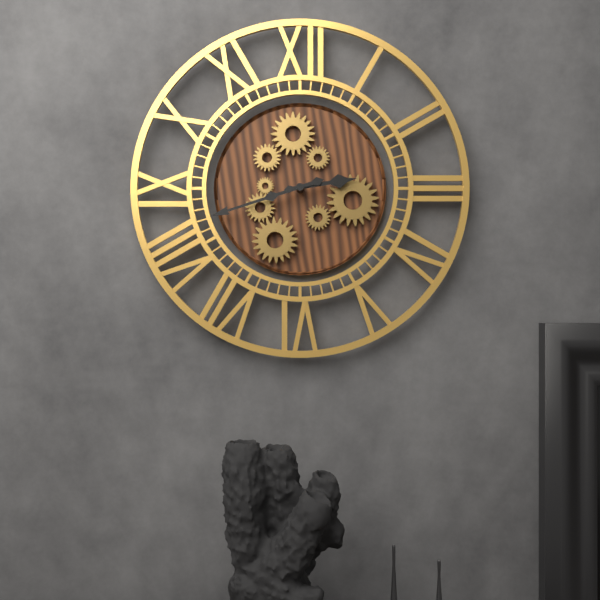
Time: {"hour": 2, "minute": 42}
